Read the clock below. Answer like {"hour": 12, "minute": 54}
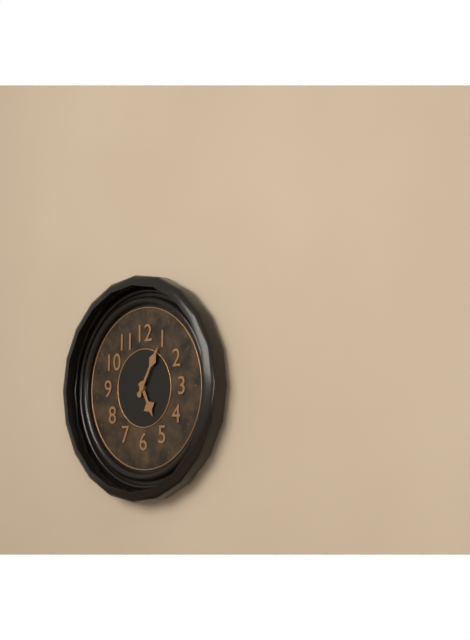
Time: {"hour": 5, "minute": 5}
